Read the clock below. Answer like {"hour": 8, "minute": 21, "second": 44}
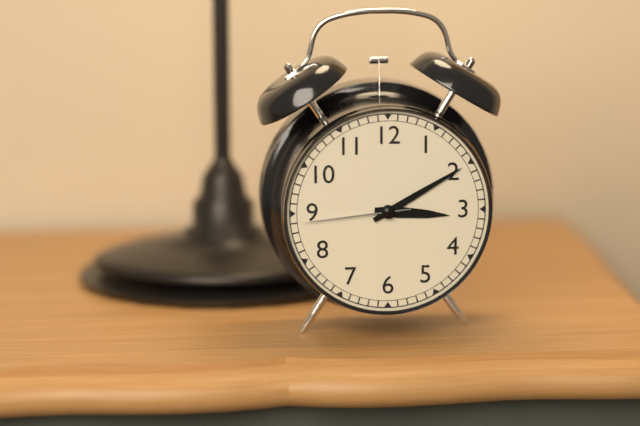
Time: {"hour": 3, "minute": 10, "second": 44}
